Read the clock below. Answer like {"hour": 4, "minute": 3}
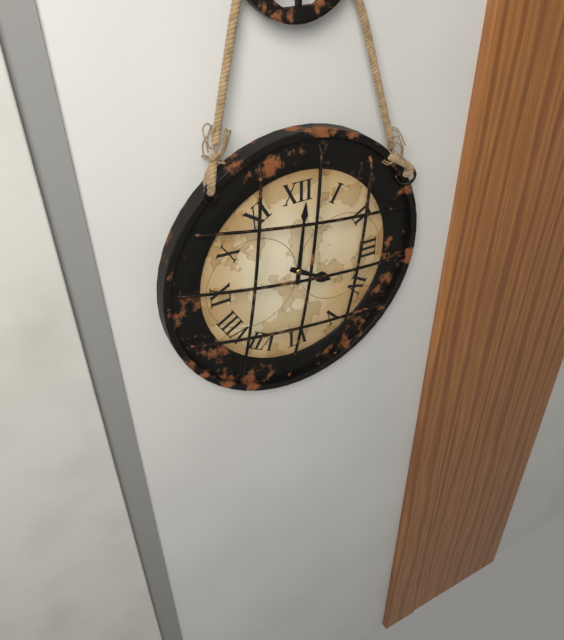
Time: {"hour": 4, "minute": 1}
